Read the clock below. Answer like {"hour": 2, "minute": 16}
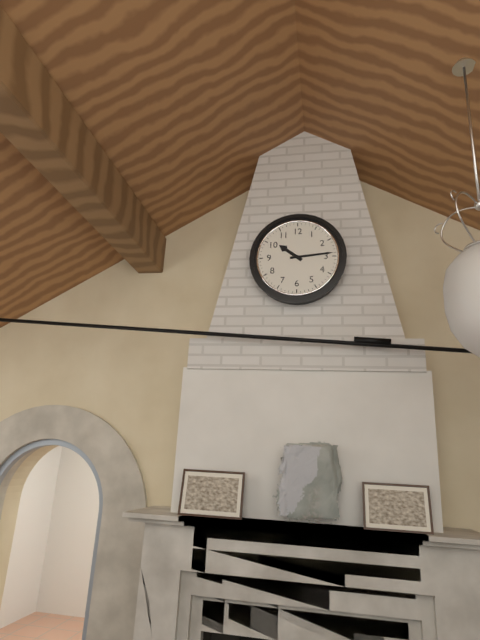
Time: {"hour": 10, "minute": 14}
